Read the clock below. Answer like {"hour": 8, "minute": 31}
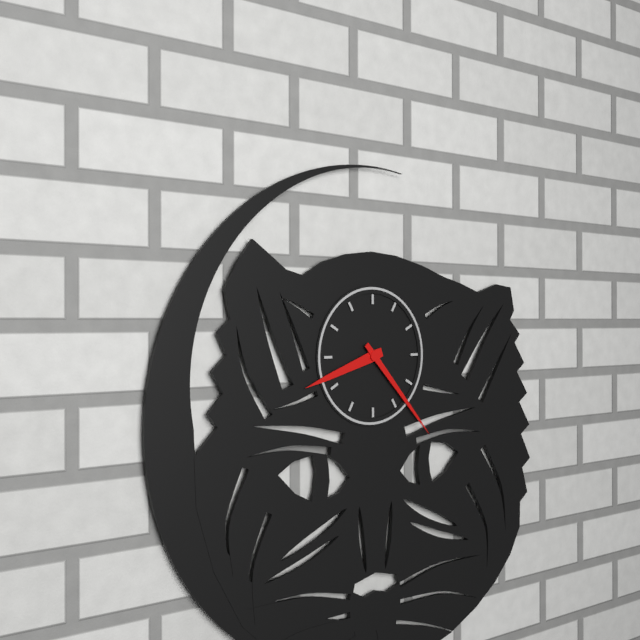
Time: {"hour": 8, "minute": 23}
